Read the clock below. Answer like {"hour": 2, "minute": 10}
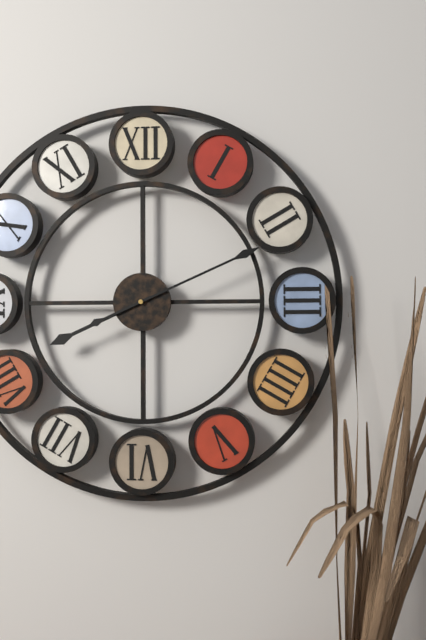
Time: {"hour": 8, "minute": 11}
